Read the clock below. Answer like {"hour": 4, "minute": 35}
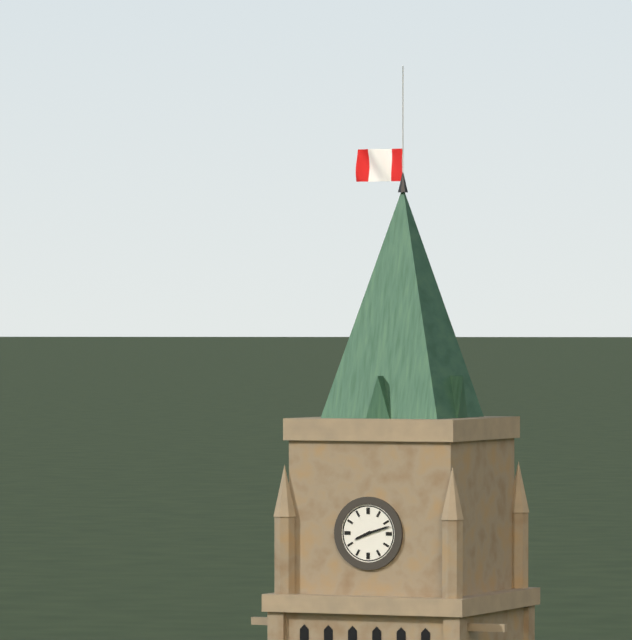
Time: {"hour": 8, "minute": 12}
